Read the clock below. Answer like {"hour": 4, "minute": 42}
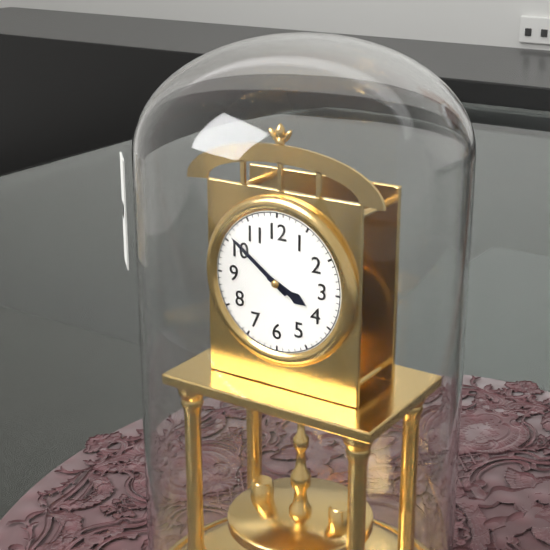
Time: {"hour": 3, "minute": 51}
